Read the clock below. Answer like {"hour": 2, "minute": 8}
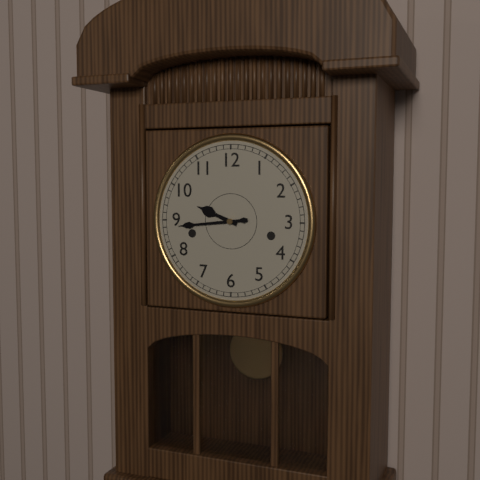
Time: {"hour": 9, "minute": 44}
